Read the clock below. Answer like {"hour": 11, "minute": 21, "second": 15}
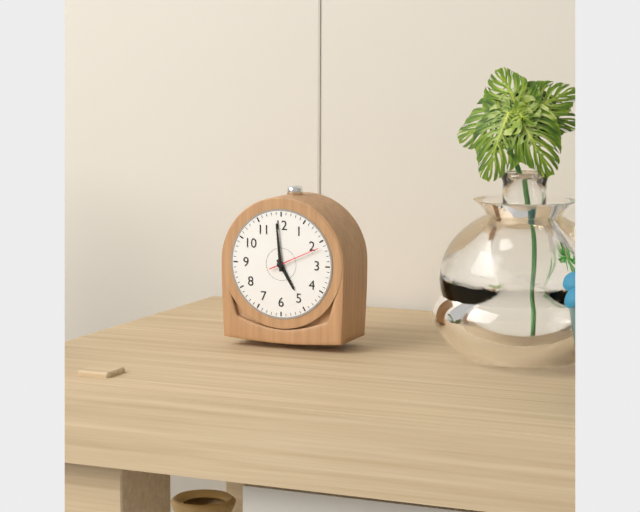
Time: {"hour": 4, "minute": 59, "second": 11}
